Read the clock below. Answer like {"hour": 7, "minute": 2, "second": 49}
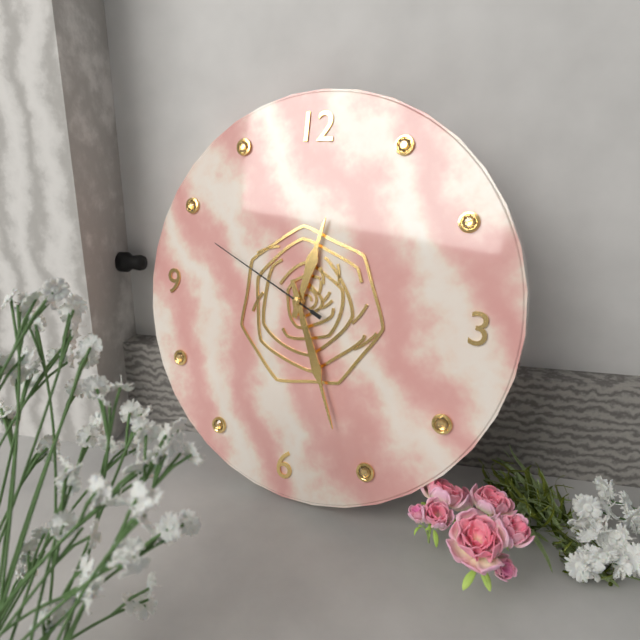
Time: {"hour": 12, "minute": 26, "second": 49}
